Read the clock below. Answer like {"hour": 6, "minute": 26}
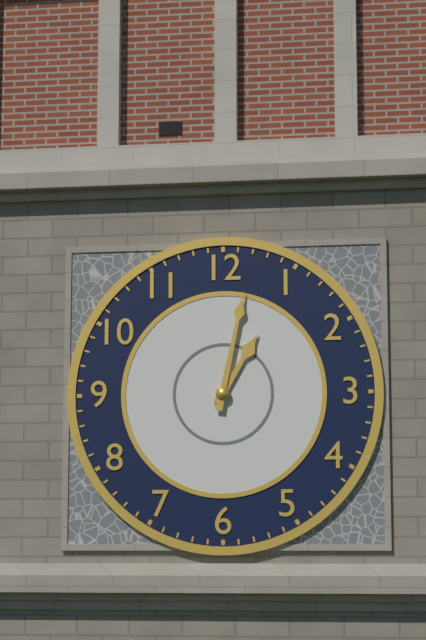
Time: {"hour": 1, "minute": 2}
